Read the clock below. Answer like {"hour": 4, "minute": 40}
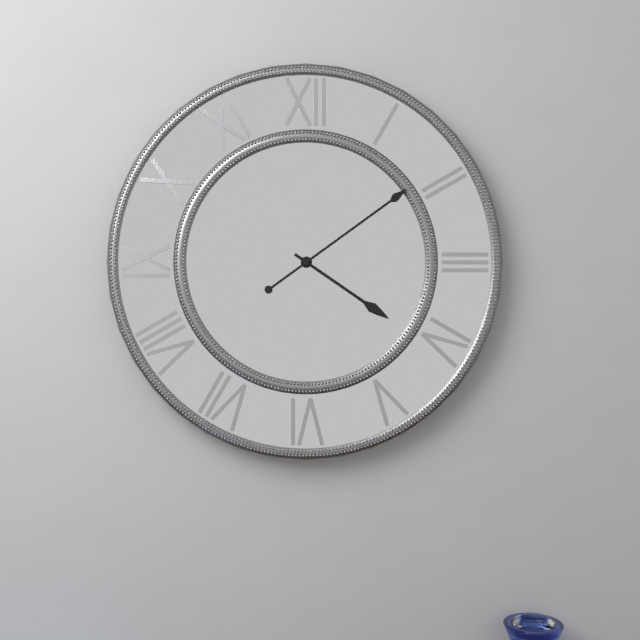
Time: {"hour": 4, "minute": 9}
